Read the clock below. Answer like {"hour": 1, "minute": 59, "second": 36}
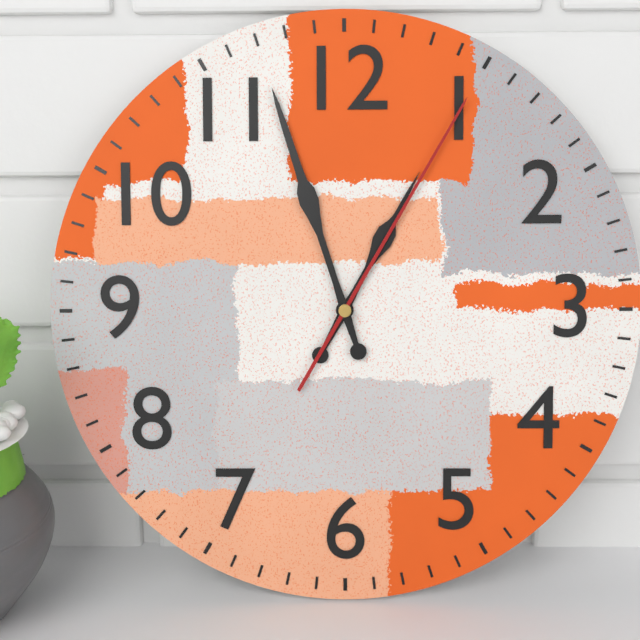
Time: {"hour": 12, "minute": 57, "second": 5}
